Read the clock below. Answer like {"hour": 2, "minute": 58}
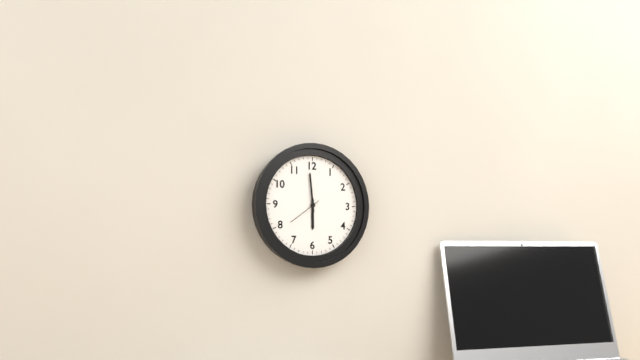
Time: {"hour": 5, "minute": 59}
